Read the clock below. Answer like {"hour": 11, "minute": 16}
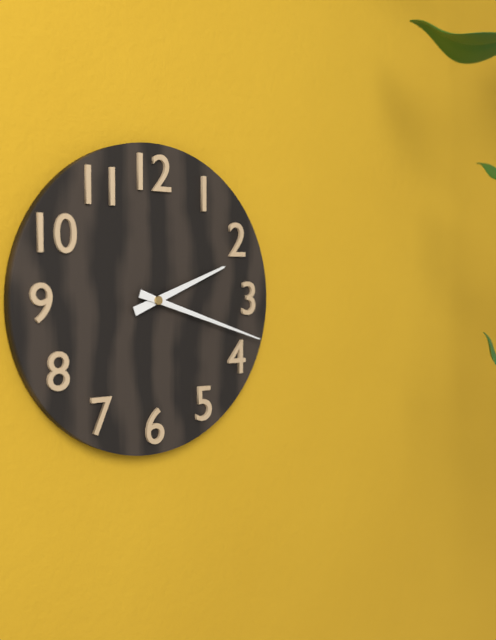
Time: {"hour": 2, "minute": 18}
